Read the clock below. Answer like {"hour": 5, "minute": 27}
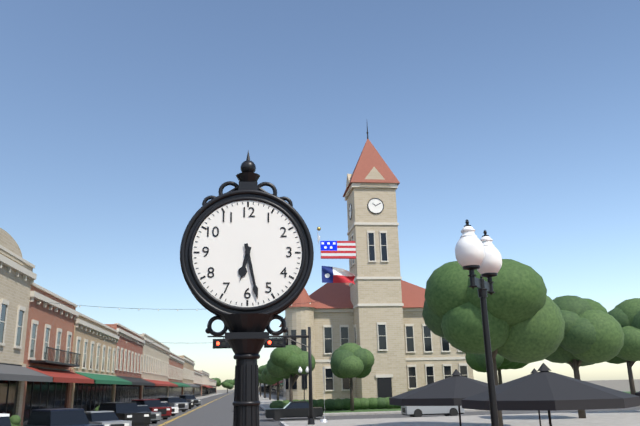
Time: {"hour": 6, "minute": 28}
